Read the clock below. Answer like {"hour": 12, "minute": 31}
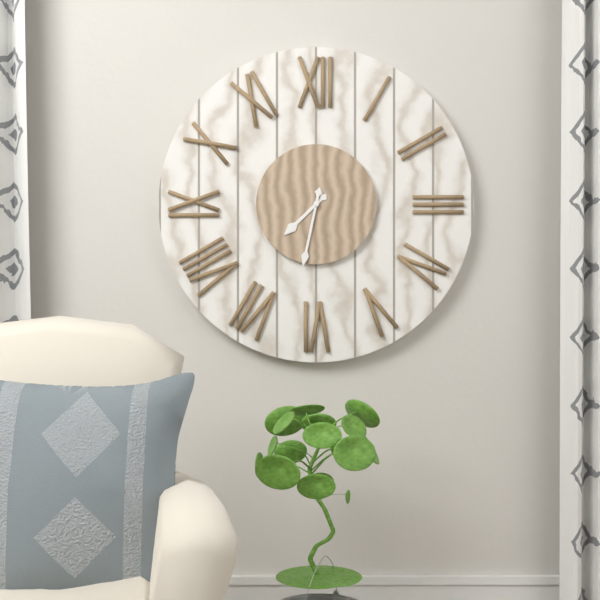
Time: {"hour": 7, "minute": 32}
